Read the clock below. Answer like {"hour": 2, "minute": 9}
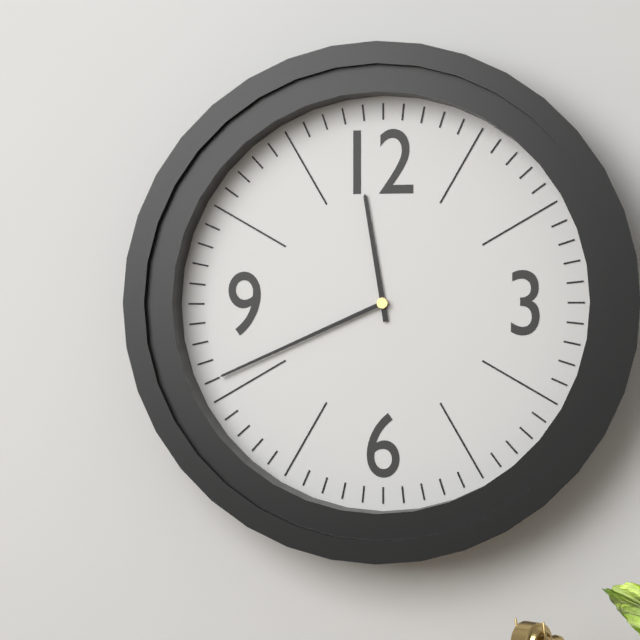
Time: {"hour": 11, "minute": 41}
